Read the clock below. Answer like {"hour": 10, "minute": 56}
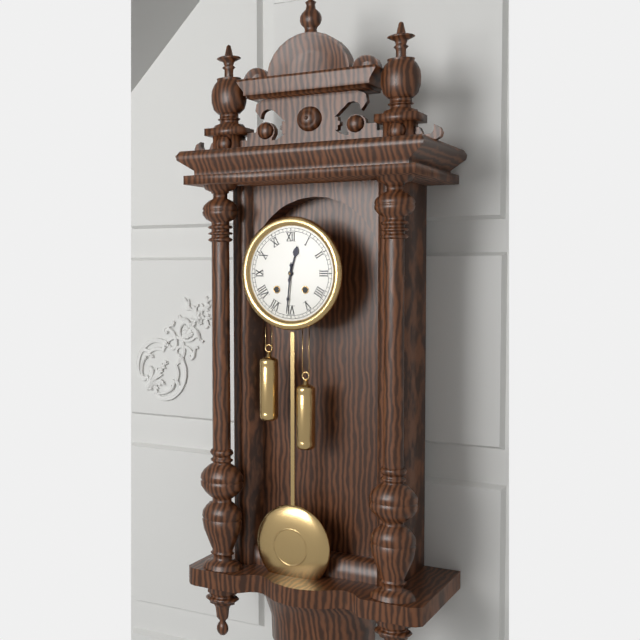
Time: {"hour": 12, "minute": 31}
